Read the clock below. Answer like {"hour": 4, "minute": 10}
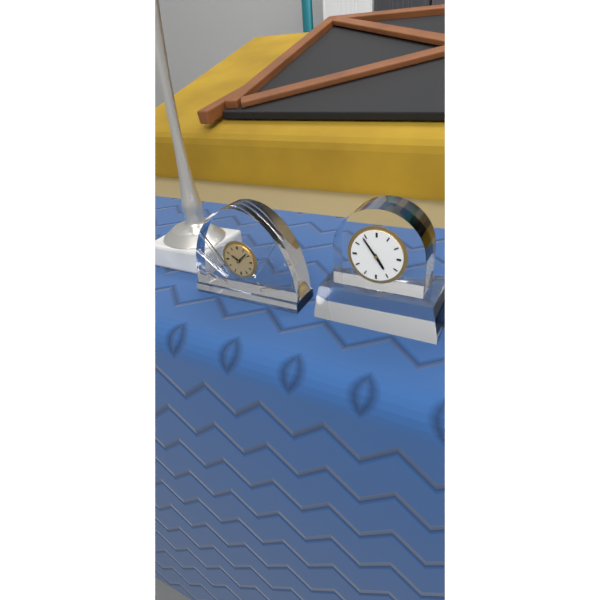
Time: {"hour": 4, "minute": 54}
